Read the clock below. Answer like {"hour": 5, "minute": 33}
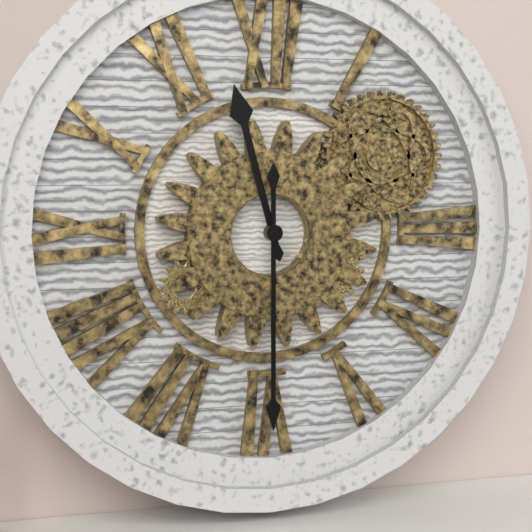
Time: {"hour": 11, "minute": 30}
